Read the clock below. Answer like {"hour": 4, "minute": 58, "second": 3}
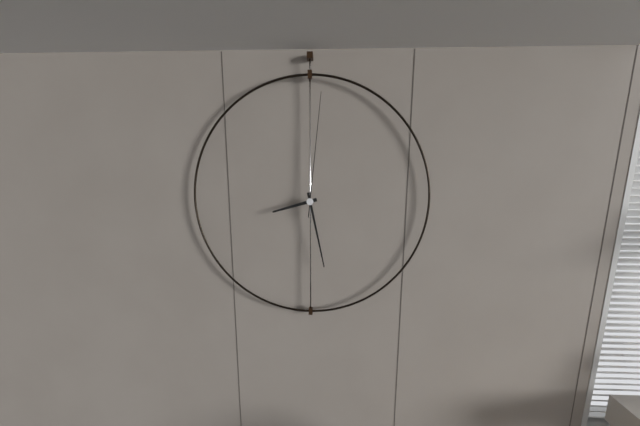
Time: {"hour": 8, "minute": 28, "second": 1}
